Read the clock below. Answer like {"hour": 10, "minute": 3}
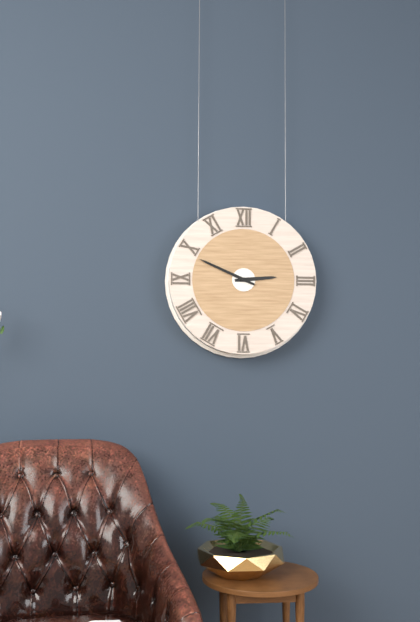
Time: {"hour": 2, "minute": 49}
